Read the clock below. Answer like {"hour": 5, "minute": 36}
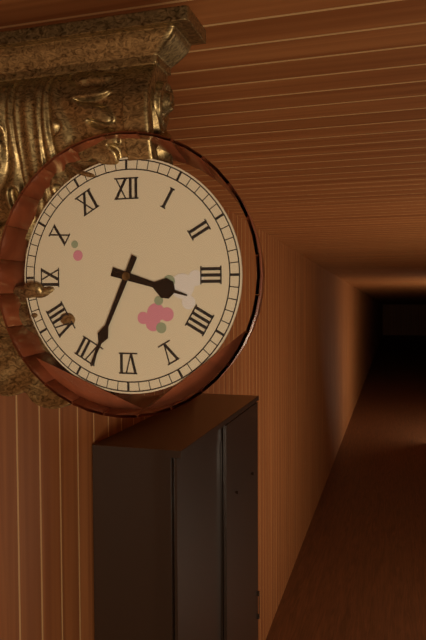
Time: {"hour": 3, "minute": 34}
